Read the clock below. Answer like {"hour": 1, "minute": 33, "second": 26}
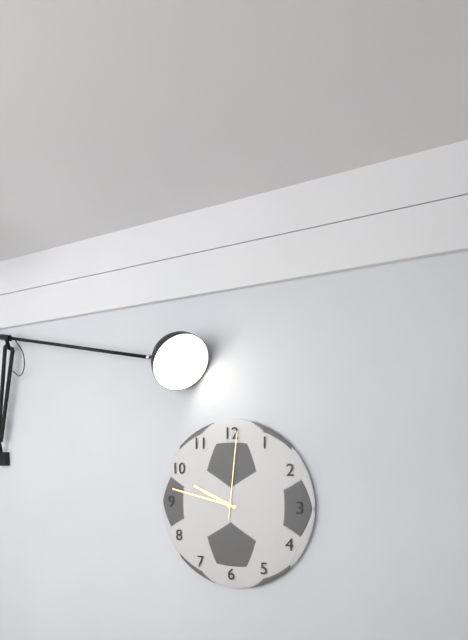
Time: {"hour": 9, "minute": 47, "second": 1}
